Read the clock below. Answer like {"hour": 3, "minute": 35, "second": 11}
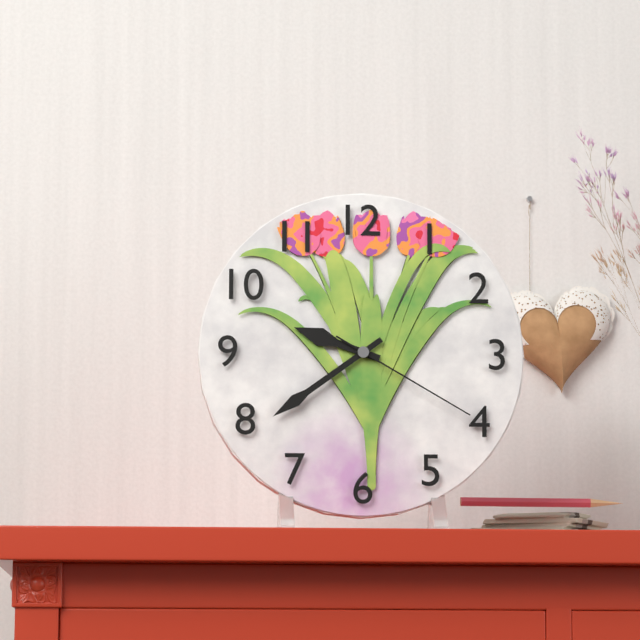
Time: {"hour": 9, "minute": 39, "second": 20}
